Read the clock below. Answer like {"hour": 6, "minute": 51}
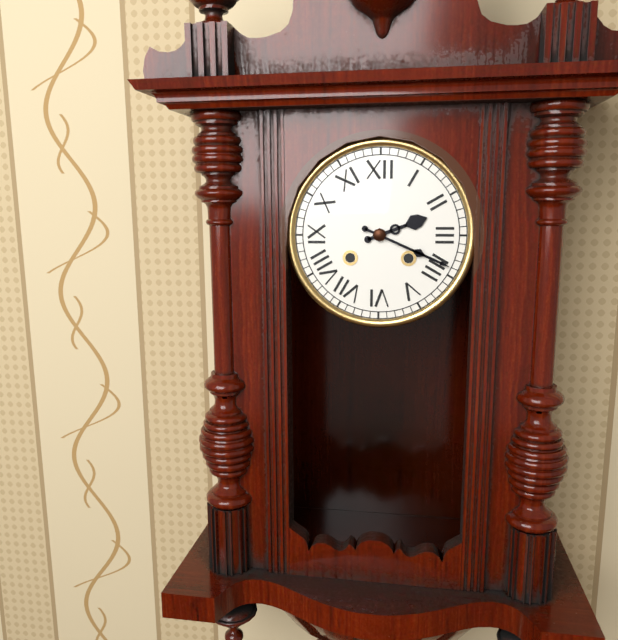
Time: {"hour": 2, "minute": 19}
